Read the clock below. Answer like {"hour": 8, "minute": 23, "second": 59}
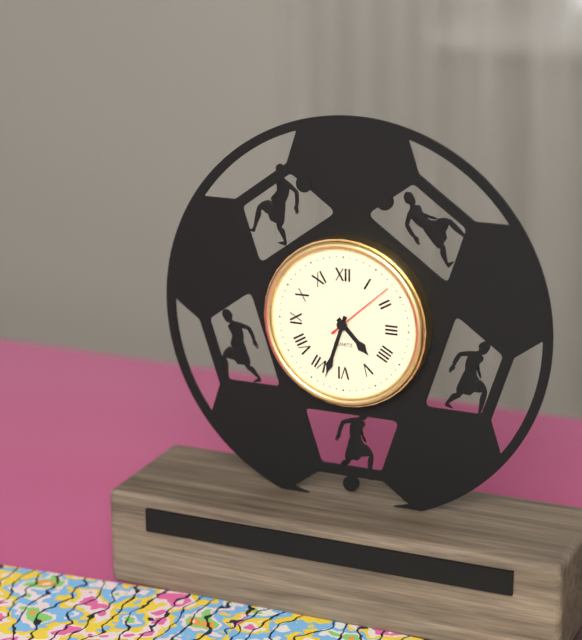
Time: {"hour": 4, "minute": 33, "second": 8}
